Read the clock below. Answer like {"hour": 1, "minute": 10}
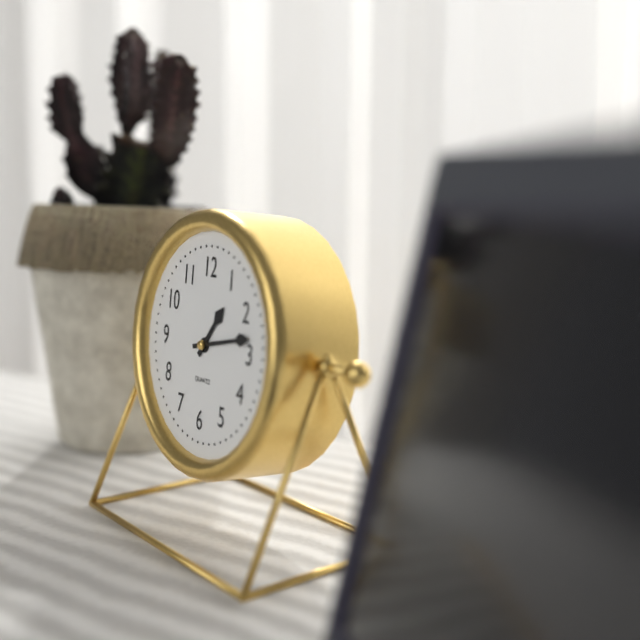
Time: {"hour": 1, "minute": 13}
